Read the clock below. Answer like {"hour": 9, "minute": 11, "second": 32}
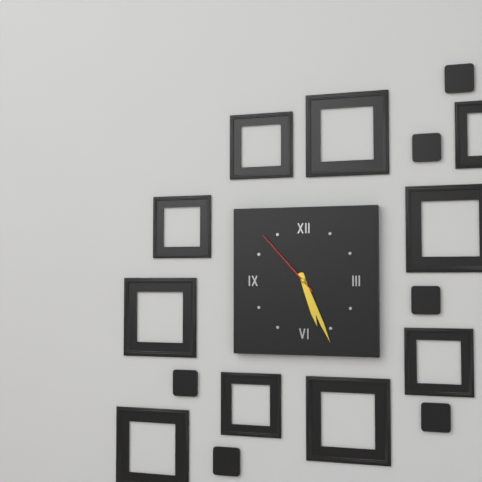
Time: {"hour": 5, "minute": 26, "second": 53}
